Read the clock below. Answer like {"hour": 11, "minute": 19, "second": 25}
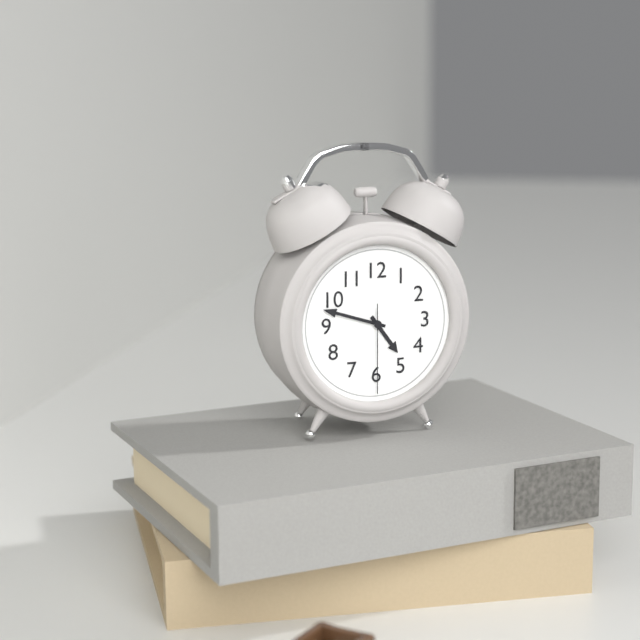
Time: {"hour": 4, "minute": 48, "second": 30}
